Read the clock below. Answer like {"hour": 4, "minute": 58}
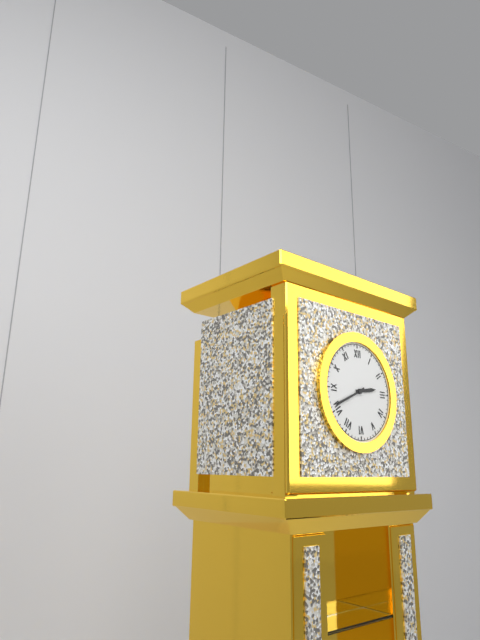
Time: {"hour": 2, "minute": 41}
